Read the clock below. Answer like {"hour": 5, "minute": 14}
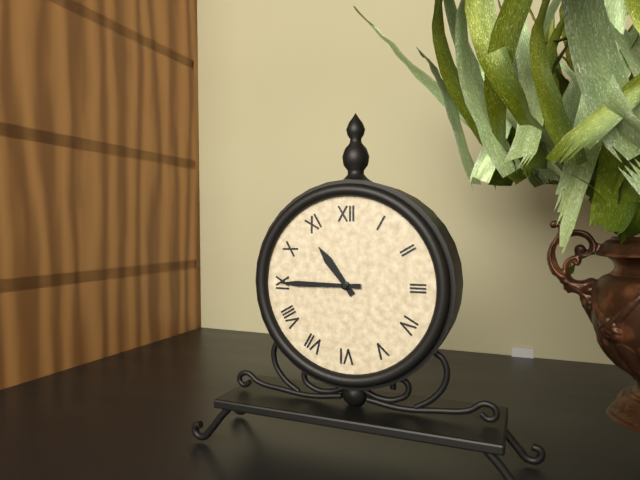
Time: {"hour": 10, "minute": 45}
